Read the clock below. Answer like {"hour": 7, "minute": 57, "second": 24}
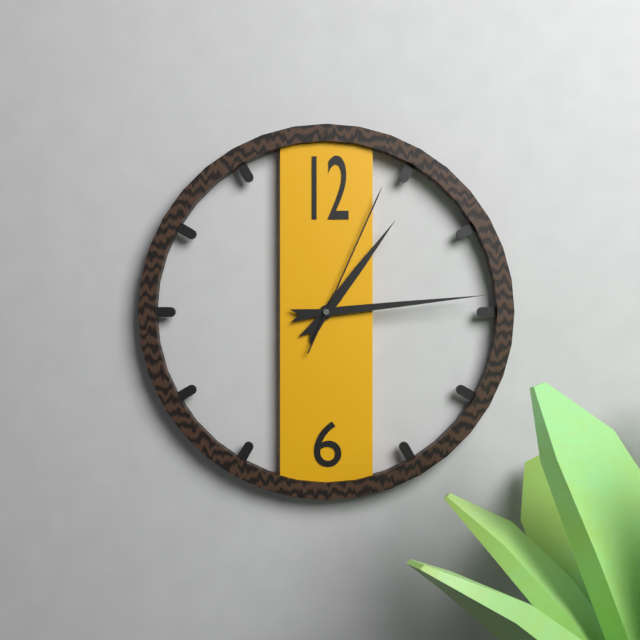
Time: {"hour": 1, "minute": 14, "second": 4}
